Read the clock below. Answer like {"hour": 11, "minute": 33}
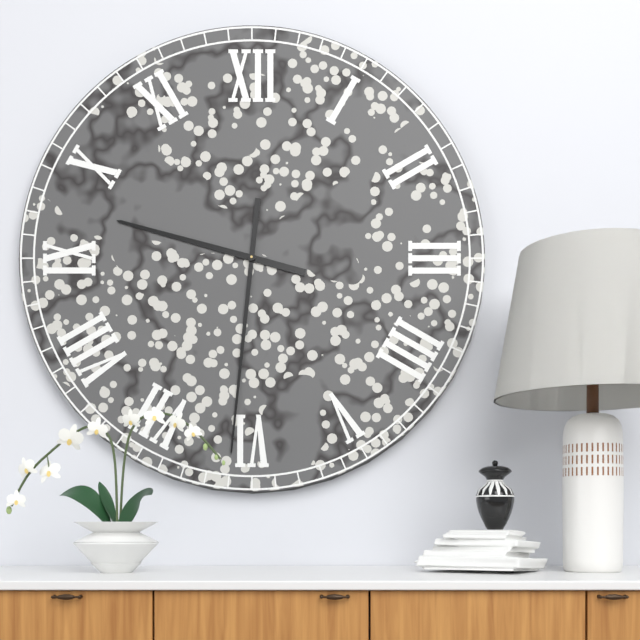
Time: {"hour": 9, "minute": 31}
